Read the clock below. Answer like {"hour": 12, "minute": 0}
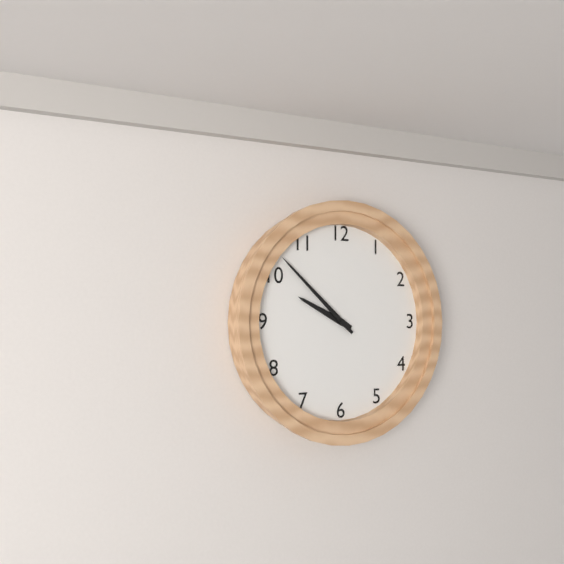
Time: {"hour": 9, "minute": 52}
